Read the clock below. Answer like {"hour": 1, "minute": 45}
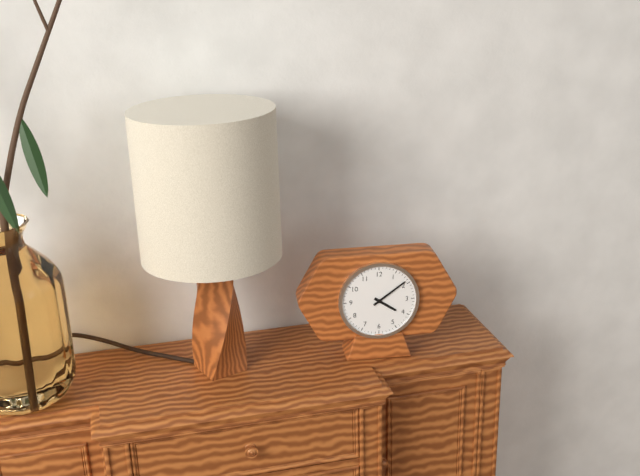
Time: {"hour": 4, "minute": 9}
